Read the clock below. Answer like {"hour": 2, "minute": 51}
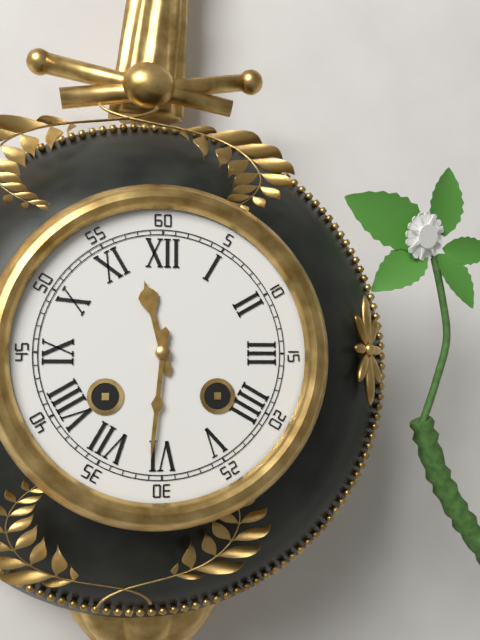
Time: {"hour": 11, "minute": 31}
